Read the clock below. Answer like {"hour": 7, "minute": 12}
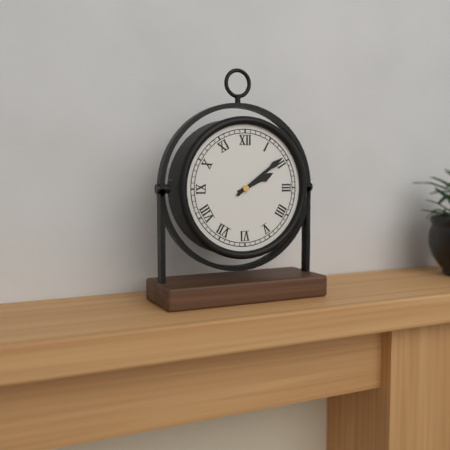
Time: {"hour": 2, "minute": 9}
